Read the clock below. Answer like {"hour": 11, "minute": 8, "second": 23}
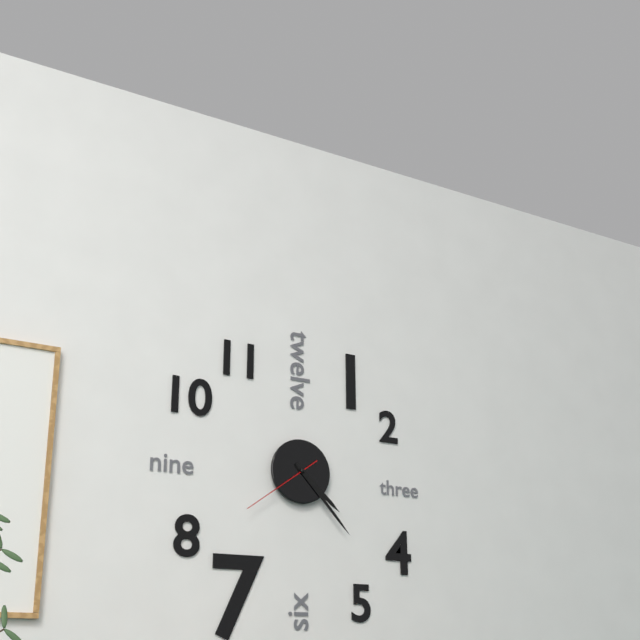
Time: {"hour": 4, "minute": 23, "second": 39}
